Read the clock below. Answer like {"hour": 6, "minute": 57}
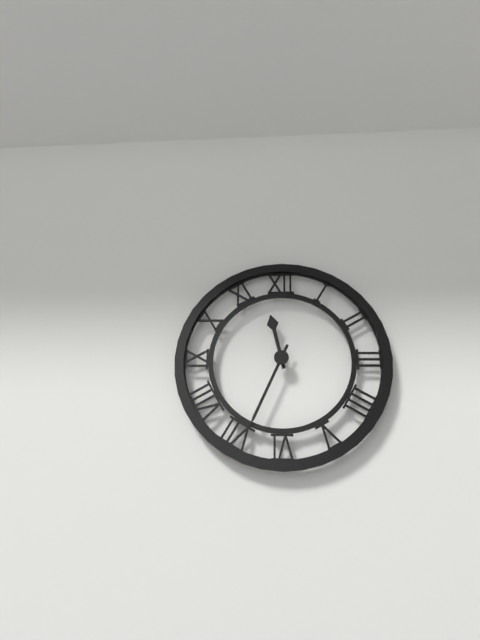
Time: {"hour": 11, "minute": 34}
